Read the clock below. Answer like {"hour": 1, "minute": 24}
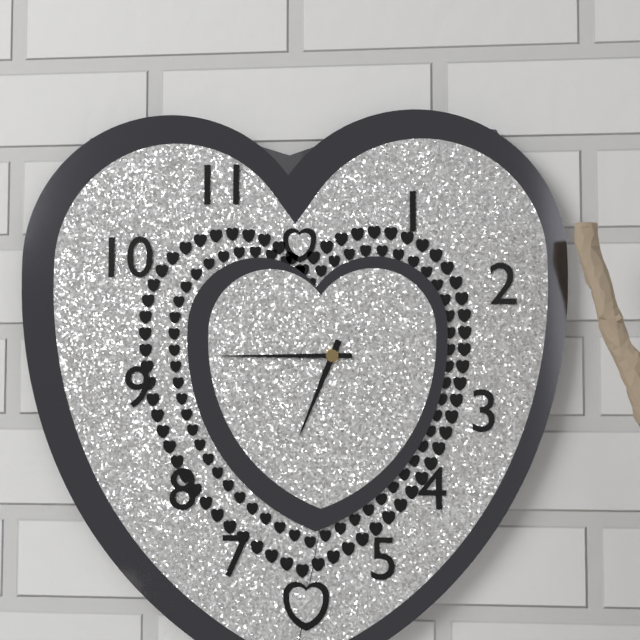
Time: {"hour": 6, "minute": 45}
